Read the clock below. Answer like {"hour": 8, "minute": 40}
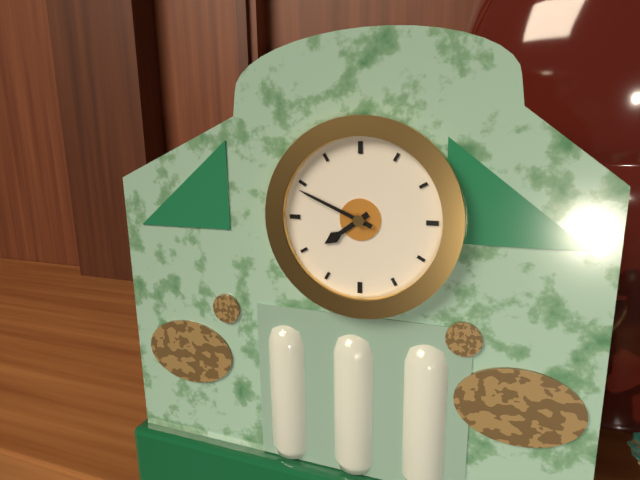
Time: {"hour": 7, "minute": 49}
